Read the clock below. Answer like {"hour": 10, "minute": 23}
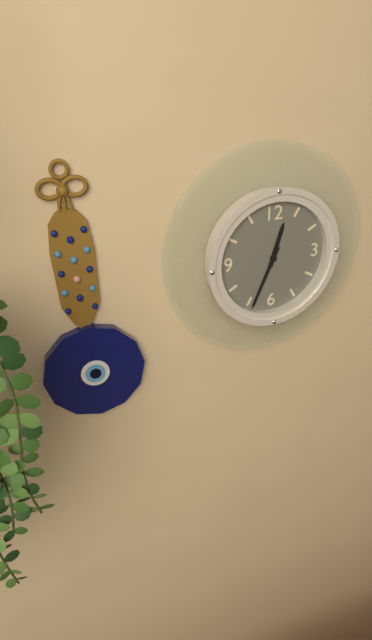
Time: {"hour": 12, "minute": 34}
